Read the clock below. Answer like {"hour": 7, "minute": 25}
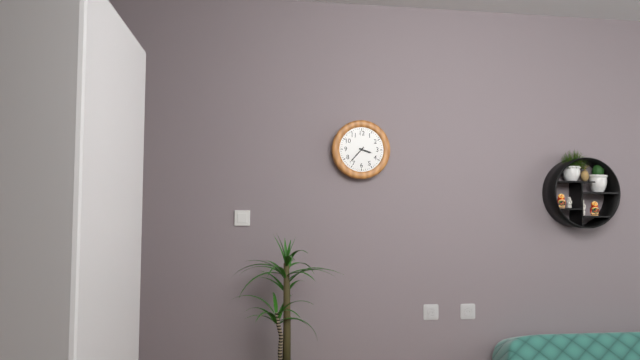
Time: {"hour": 3, "minute": 37}
